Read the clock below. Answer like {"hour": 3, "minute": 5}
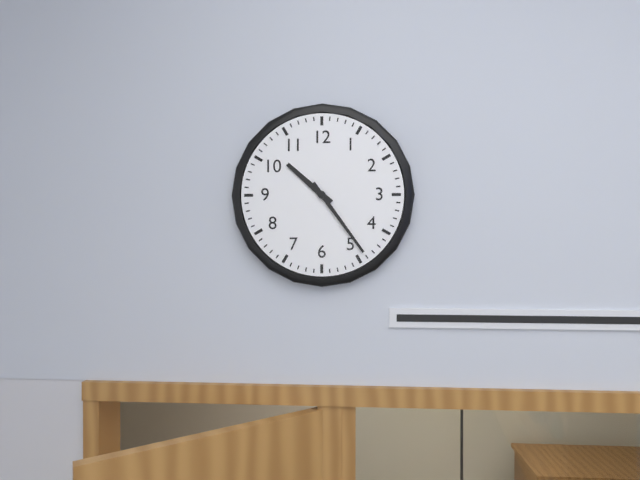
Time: {"hour": 10, "minute": 24}
